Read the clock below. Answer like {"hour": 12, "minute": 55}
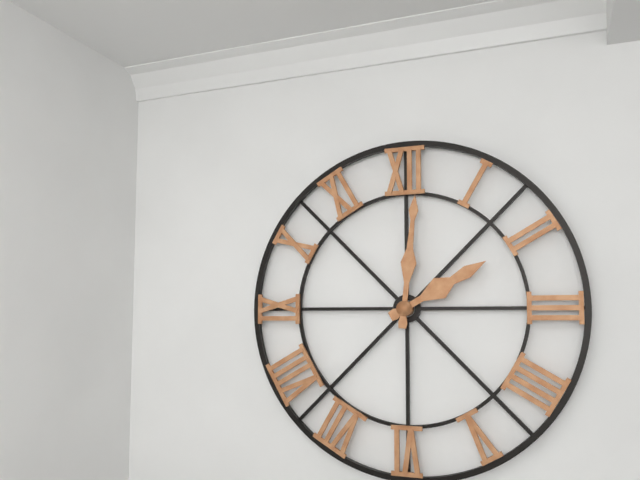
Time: {"hour": 2, "minute": 1}
